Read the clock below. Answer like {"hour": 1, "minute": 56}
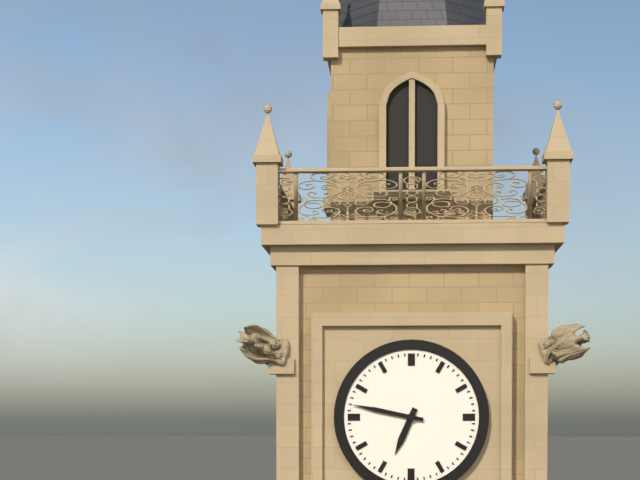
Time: {"hour": 6, "minute": 47}
